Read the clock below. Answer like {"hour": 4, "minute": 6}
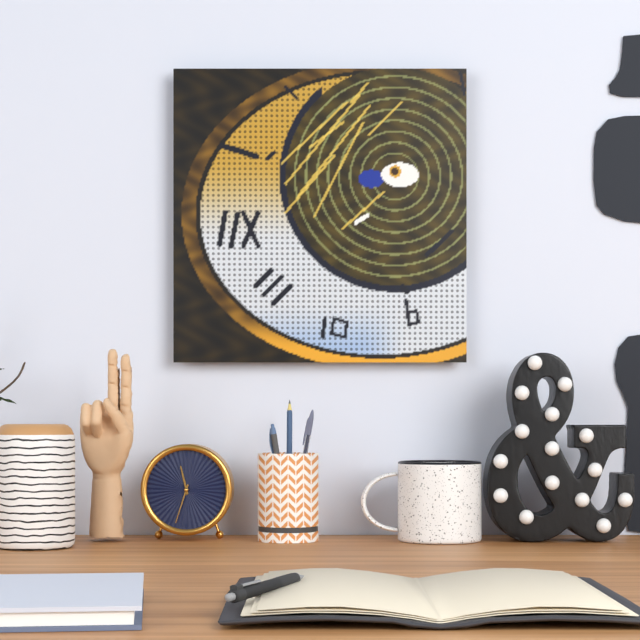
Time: {"hour": 11, "minute": 33}
